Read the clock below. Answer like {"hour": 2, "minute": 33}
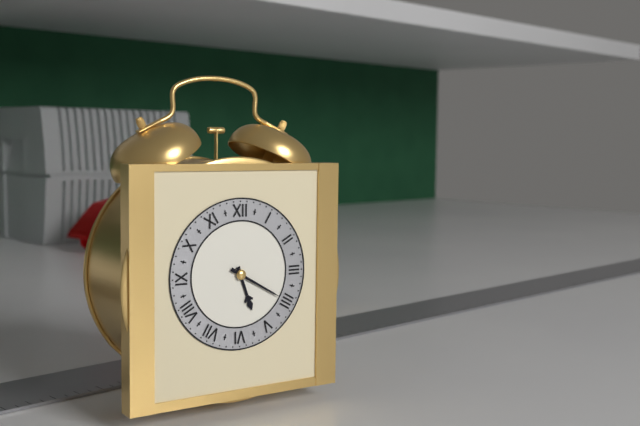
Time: {"hour": 5, "minute": 20}
